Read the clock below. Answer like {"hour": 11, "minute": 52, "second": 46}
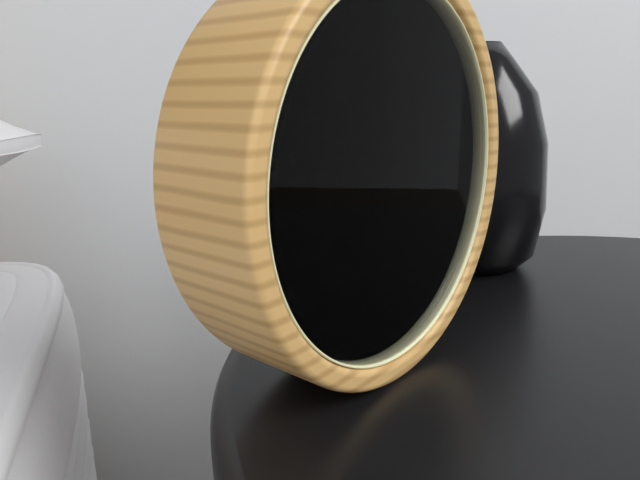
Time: {"hour": 11, "minute": 0, "second": 35}
